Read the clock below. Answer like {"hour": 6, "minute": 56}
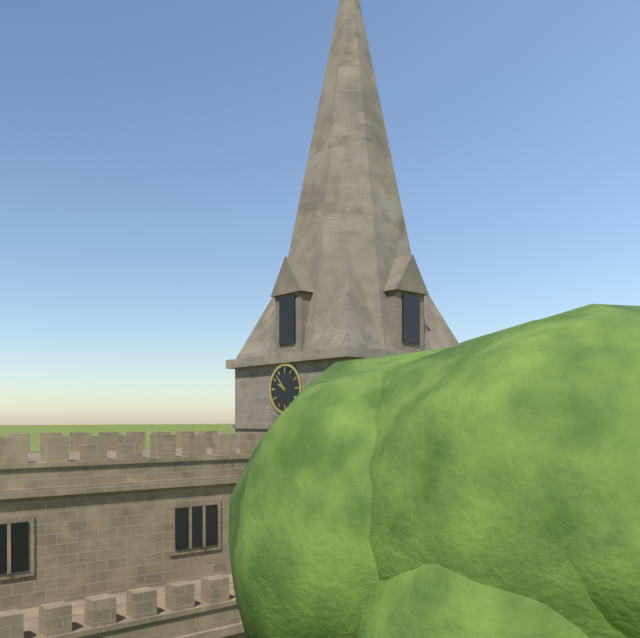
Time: {"hour": 9, "minute": 53}
